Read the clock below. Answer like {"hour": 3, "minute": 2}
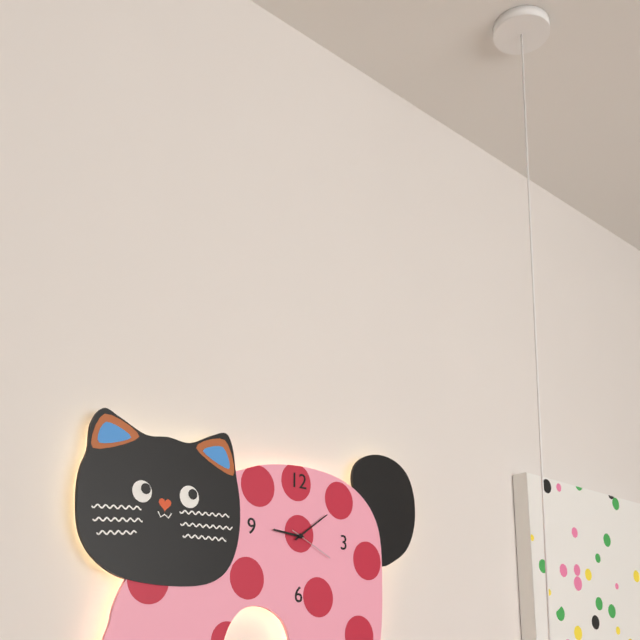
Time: {"hour": 9, "minute": 9}
